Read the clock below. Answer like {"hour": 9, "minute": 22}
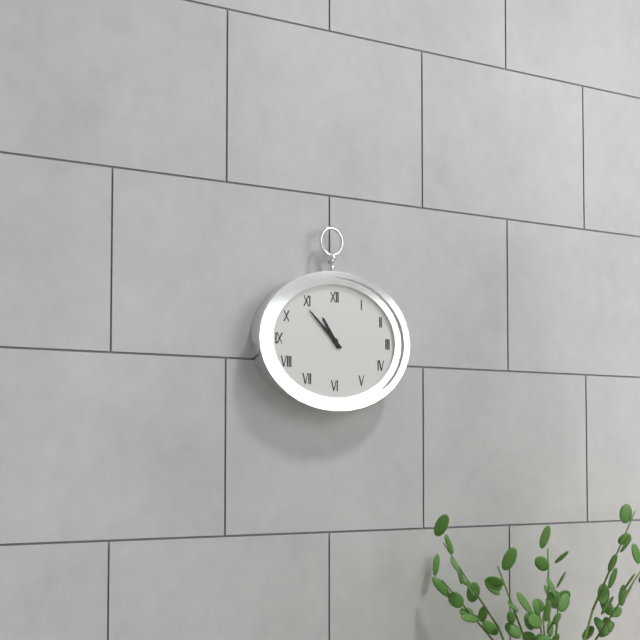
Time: {"hour": 10, "minute": 52}
